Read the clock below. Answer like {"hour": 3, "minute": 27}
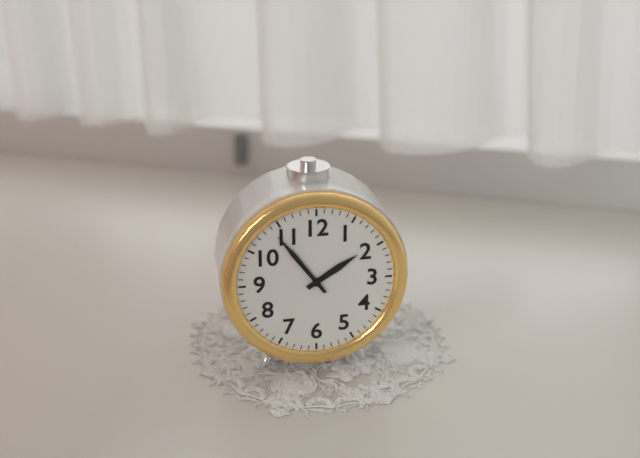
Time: {"hour": 1, "minute": 54}
